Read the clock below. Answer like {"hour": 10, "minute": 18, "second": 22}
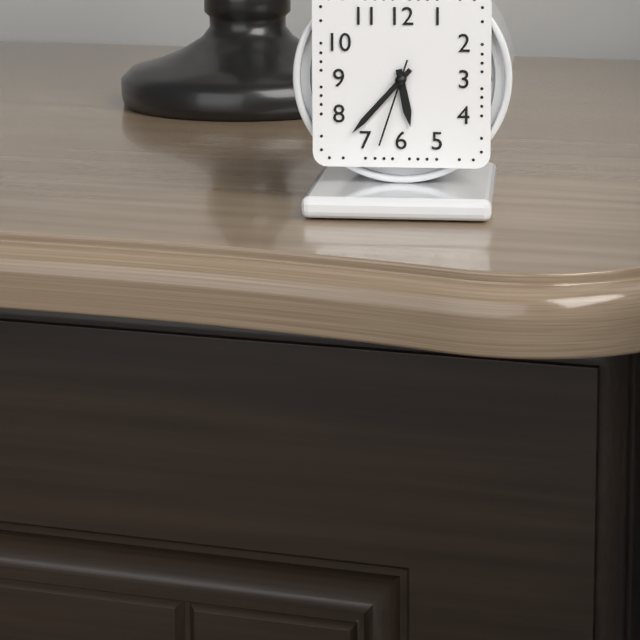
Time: {"hour": 5, "minute": 37, "second": 33}
